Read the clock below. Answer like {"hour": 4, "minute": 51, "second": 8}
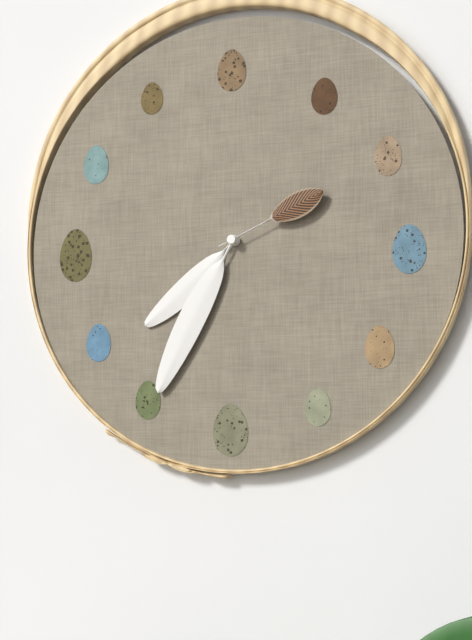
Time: {"hour": 7, "minute": 35, "second": 11}
